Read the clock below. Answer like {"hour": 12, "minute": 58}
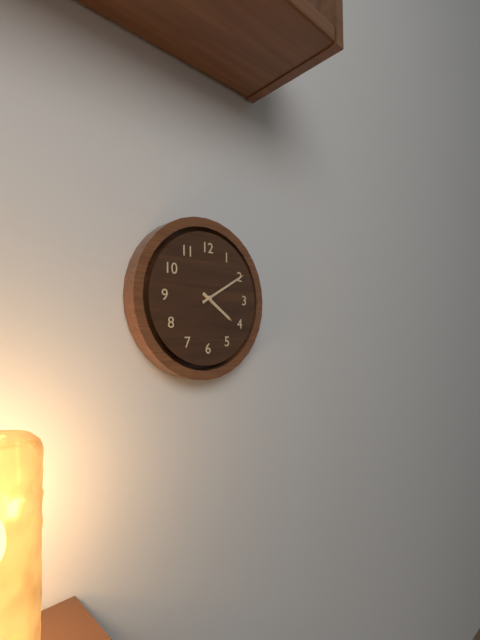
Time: {"hour": 4, "minute": 10}
